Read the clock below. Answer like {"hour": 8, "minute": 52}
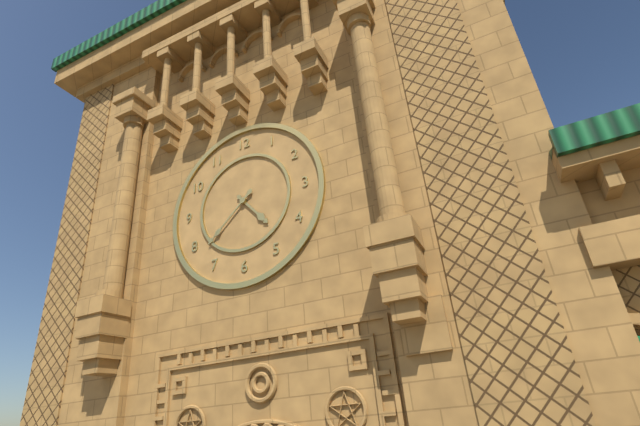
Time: {"hour": 4, "minute": 38}
